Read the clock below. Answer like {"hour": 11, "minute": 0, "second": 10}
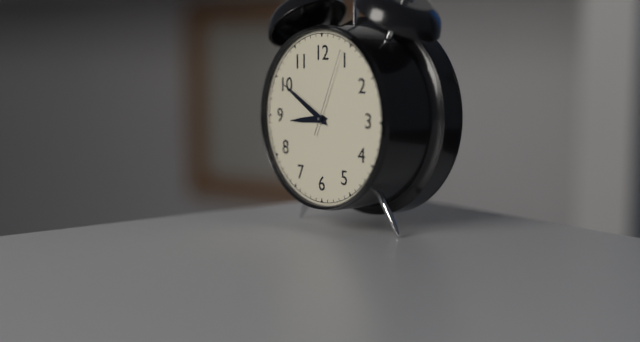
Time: {"hour": 8, "minute": 50, "second": 4}
